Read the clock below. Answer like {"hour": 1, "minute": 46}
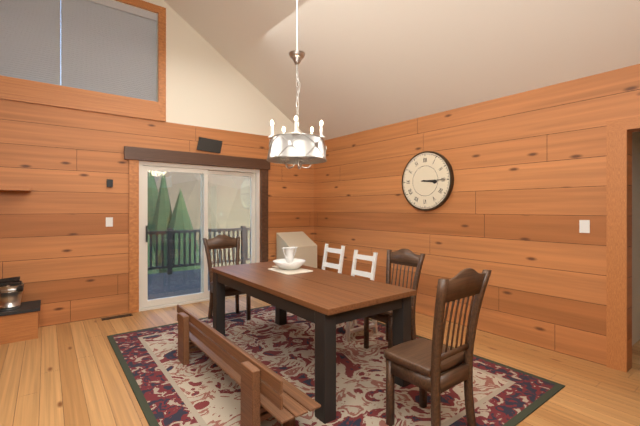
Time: {"hour": 3, "minute": 15}
